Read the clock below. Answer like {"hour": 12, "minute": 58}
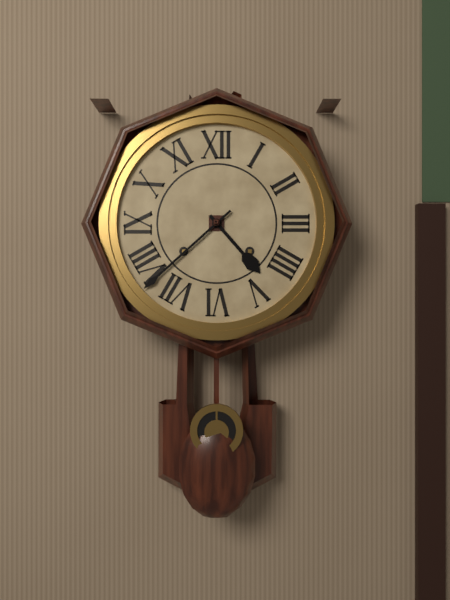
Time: {"hour": 4, "minute": 38}
